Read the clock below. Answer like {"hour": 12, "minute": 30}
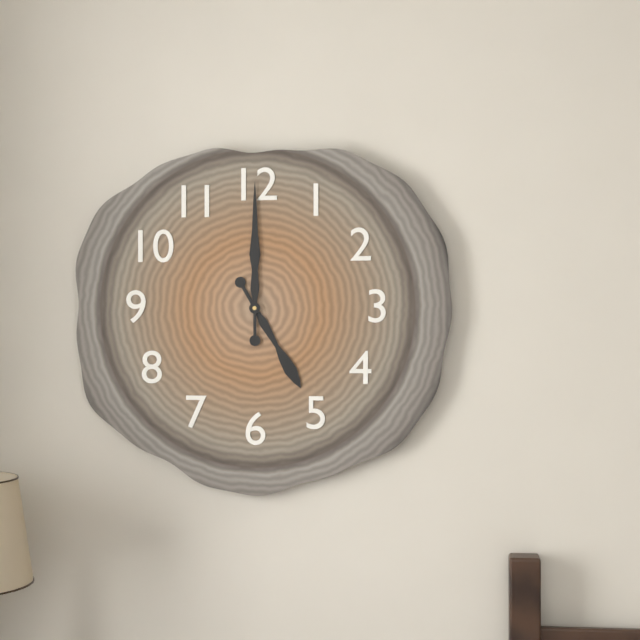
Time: {"hour": 5, "minute": 0}
